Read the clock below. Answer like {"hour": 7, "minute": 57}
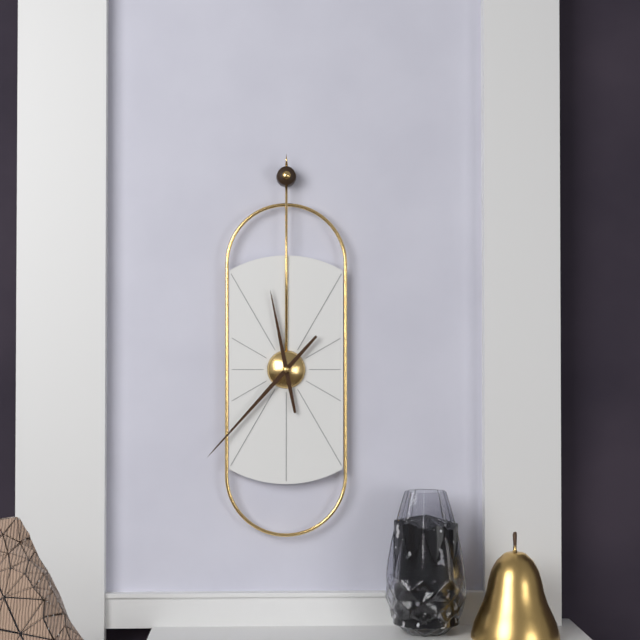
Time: {"hour": 11, "minute": 37}
